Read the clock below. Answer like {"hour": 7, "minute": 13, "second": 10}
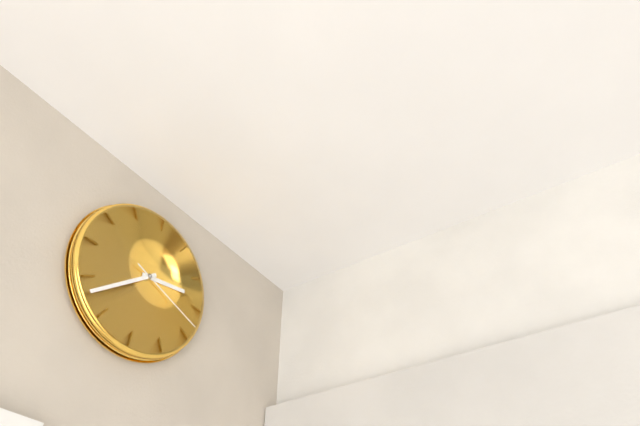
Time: {"hour": 2, "minute": 38, "second": 18}
